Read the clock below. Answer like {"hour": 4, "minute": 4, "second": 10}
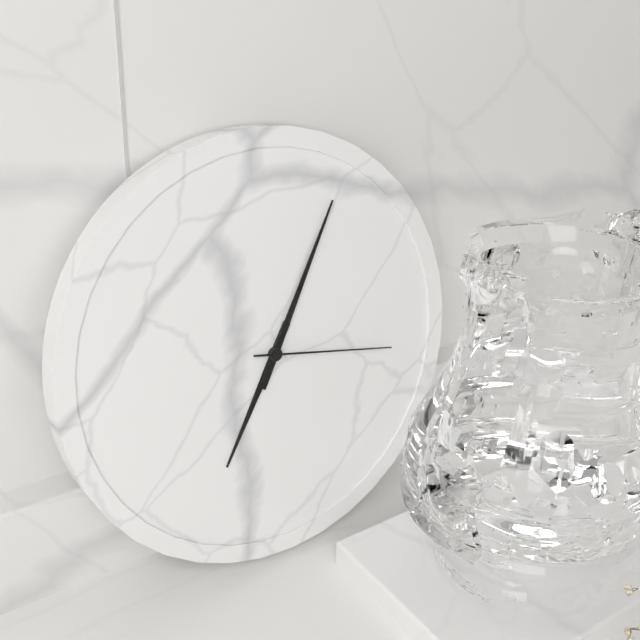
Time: {"hour": 7, "minute": 5, "second": 17}
